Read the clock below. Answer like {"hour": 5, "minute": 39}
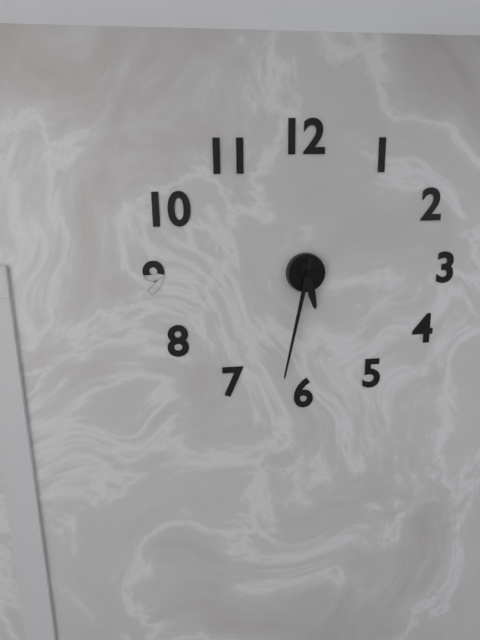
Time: {"hour": 5, "minute": 32}
